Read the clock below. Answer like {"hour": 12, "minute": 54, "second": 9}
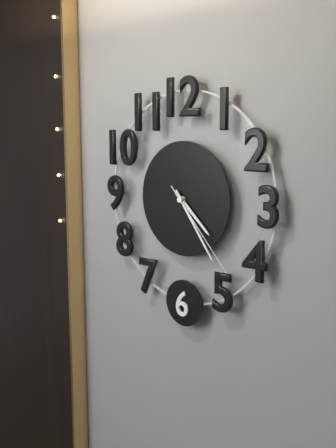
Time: {"hour": 4, "minute": 24, "second": 23}
